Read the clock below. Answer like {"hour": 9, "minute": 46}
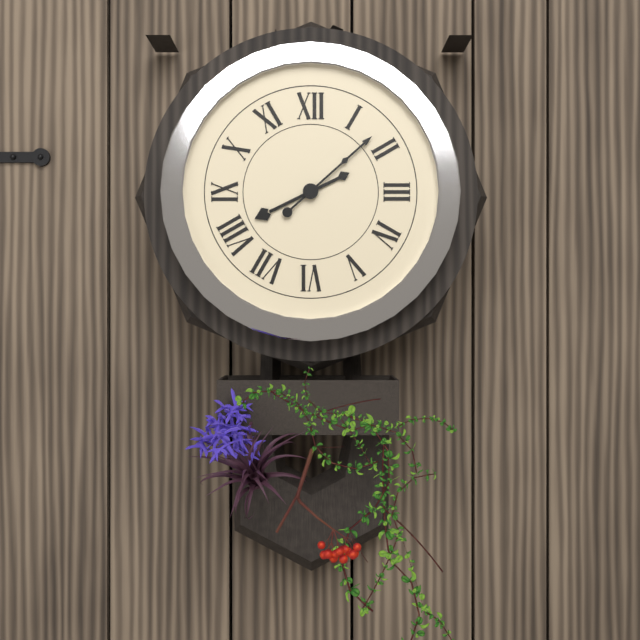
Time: {"hour": 8, "minute": 8}
